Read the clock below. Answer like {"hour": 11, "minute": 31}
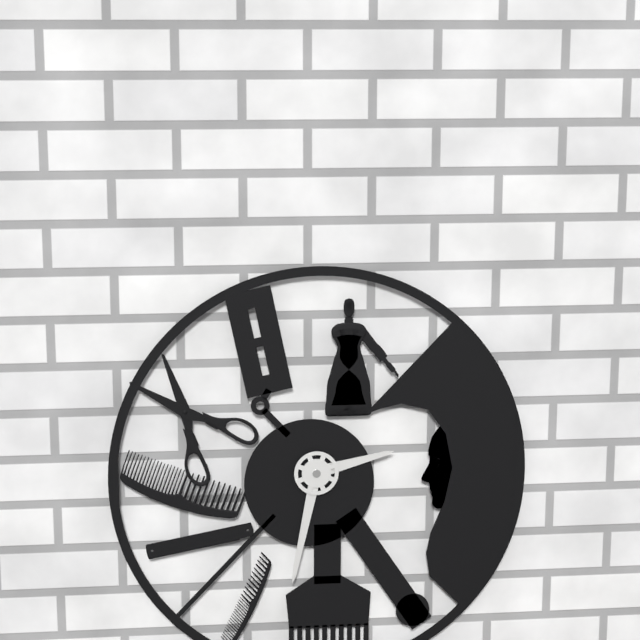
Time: {"hour": 2, "minute": 32}
